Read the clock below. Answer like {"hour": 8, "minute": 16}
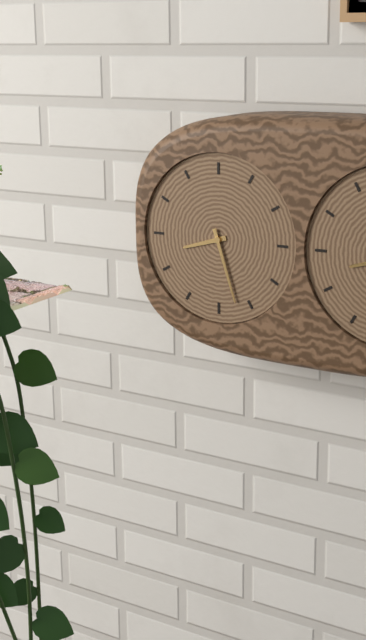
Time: {"hour": 8, "minute": 27}
